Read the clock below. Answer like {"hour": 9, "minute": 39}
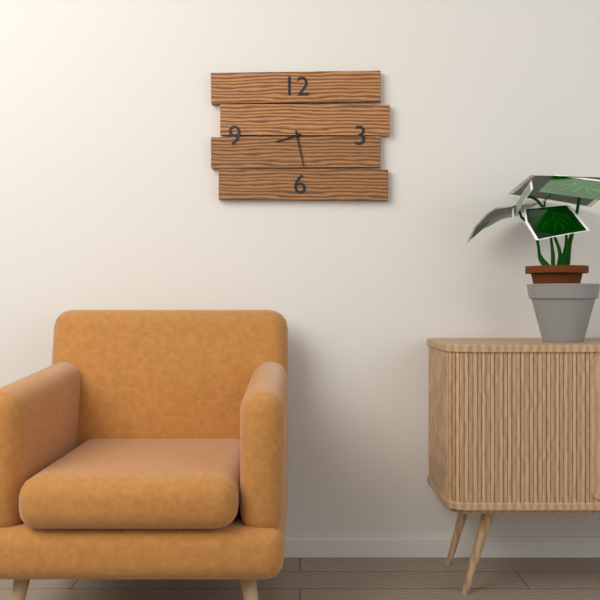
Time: {"hour": 8, "minute": 28}
